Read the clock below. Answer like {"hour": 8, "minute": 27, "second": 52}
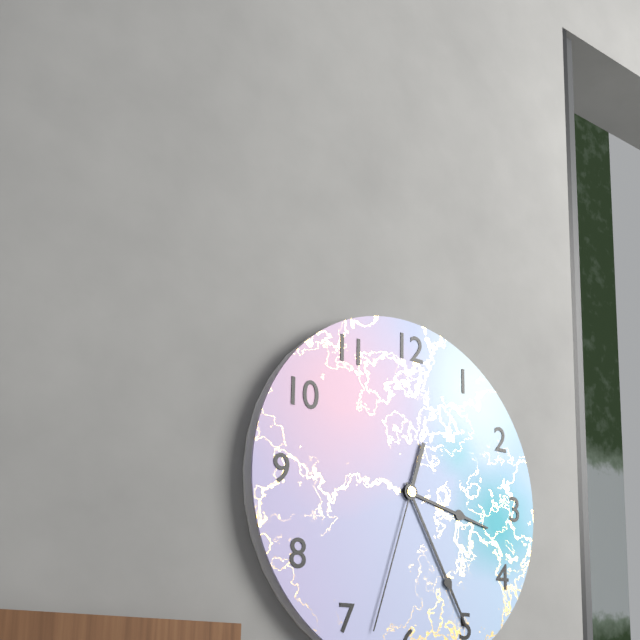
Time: {"hour": 3, "minute": 25, "second": 33}
